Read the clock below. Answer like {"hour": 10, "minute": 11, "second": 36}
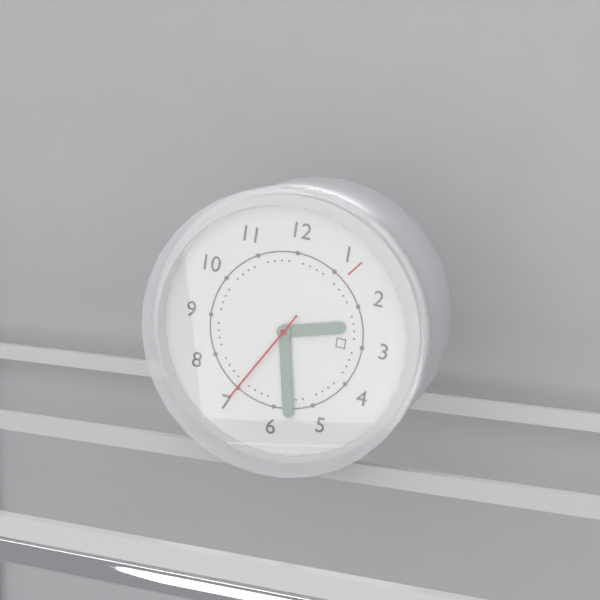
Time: {"hour": 2, "minute": 28, "second": 35}
